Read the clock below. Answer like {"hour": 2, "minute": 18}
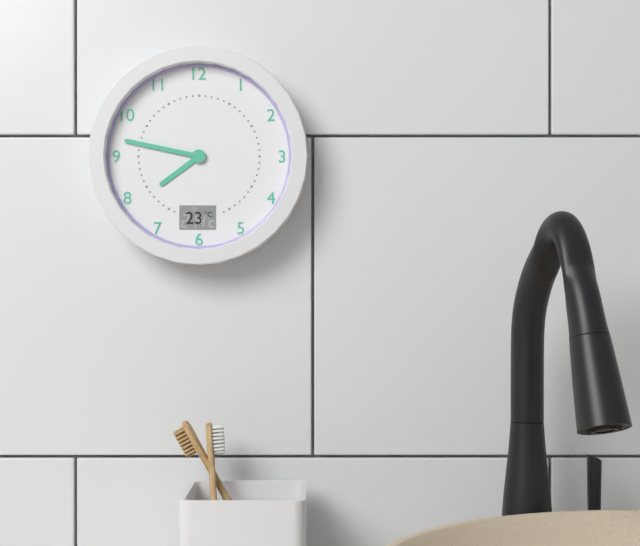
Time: {"hour": 7, "minute": 47}
